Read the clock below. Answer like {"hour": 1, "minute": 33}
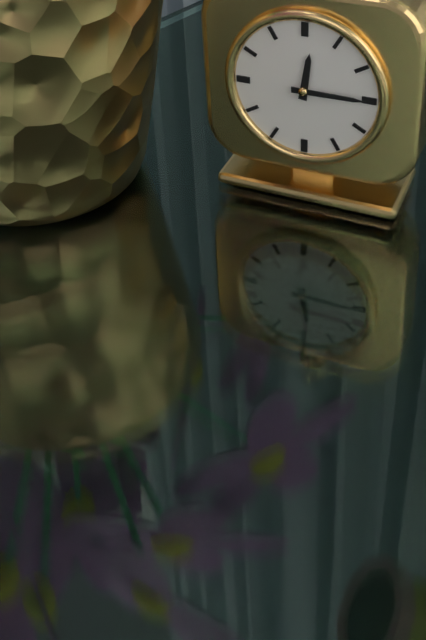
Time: {"hour": 12, "minute": 15}
